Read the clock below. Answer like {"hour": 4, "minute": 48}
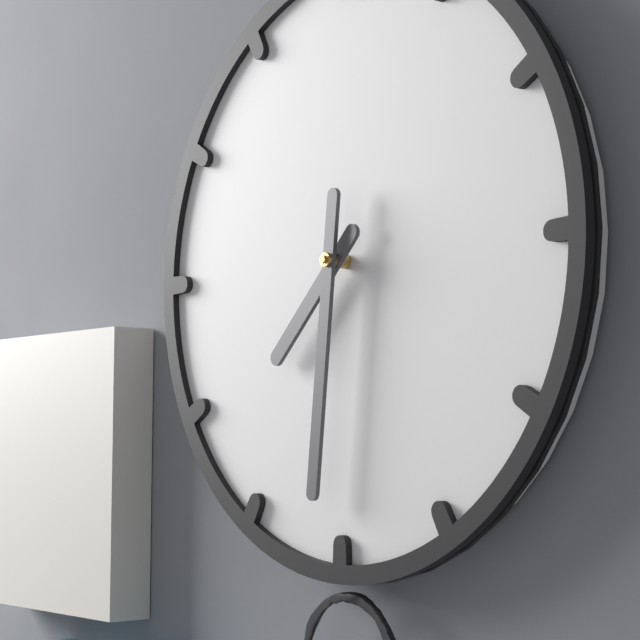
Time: {"hour": 7, "minute": 31}
